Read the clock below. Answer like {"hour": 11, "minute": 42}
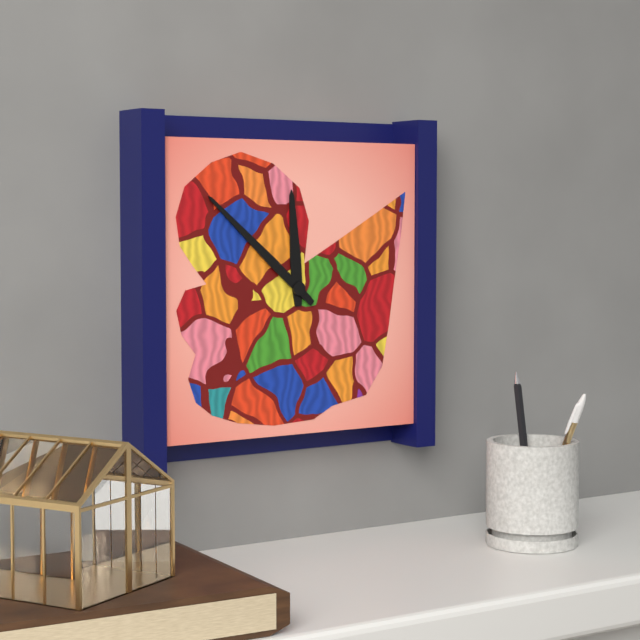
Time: {"hour": 11, "minute": 52}
